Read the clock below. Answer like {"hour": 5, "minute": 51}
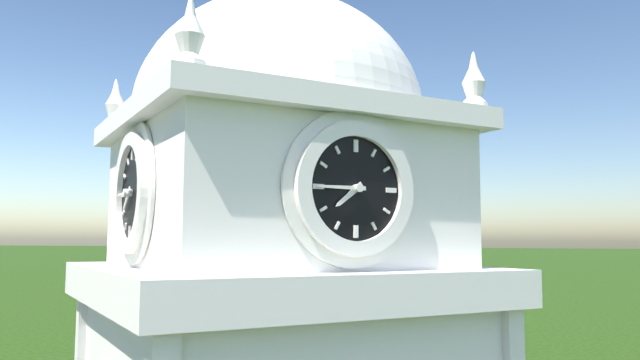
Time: {"hour": 7, "minute": 45}
